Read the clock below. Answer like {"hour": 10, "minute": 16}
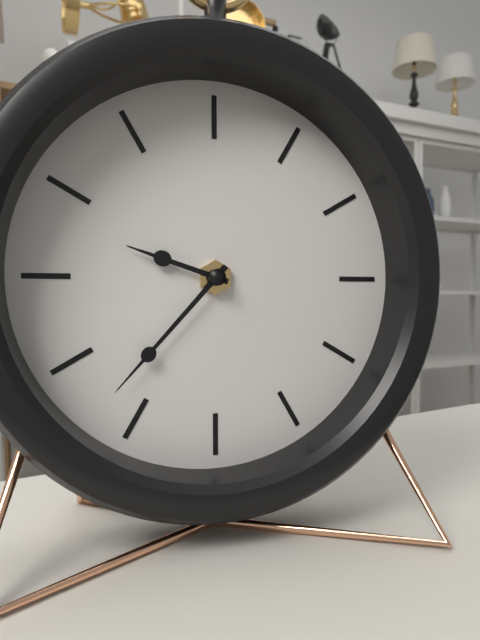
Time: {"hour": 9, "minute": 37}
